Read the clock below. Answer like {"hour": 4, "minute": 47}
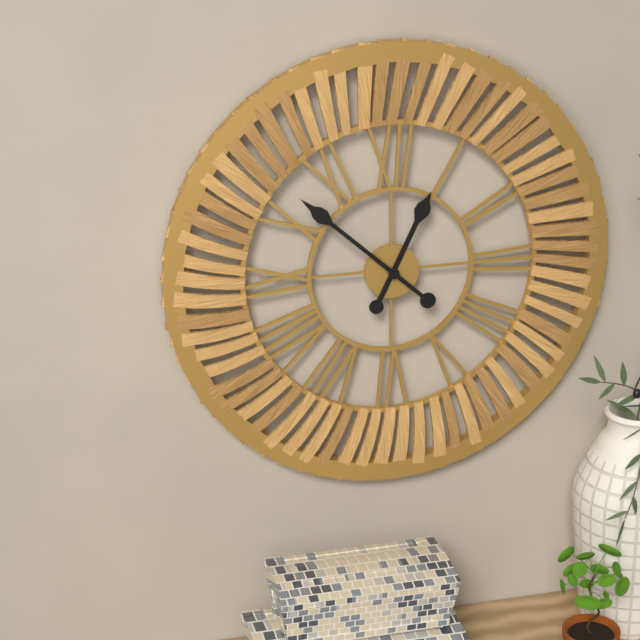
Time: {"hour": 12, "minute": 52}
